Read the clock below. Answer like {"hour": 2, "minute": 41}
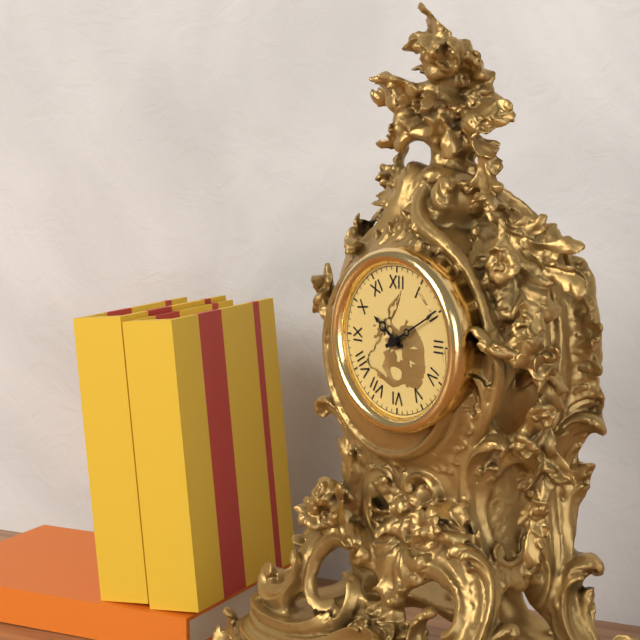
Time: {"hour": 10, "minute": 10}
